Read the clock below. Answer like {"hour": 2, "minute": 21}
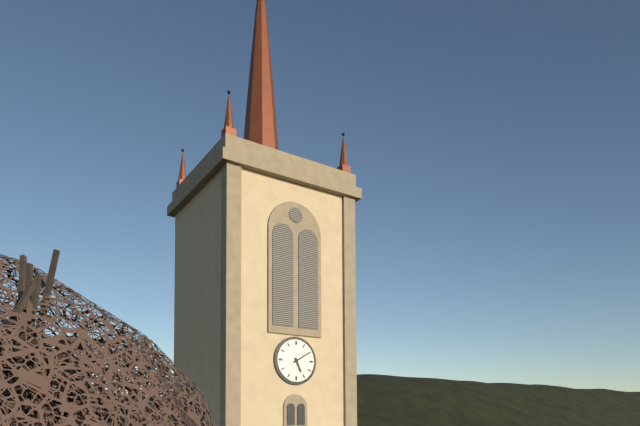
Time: {"hour": 5, "minute": 10}
